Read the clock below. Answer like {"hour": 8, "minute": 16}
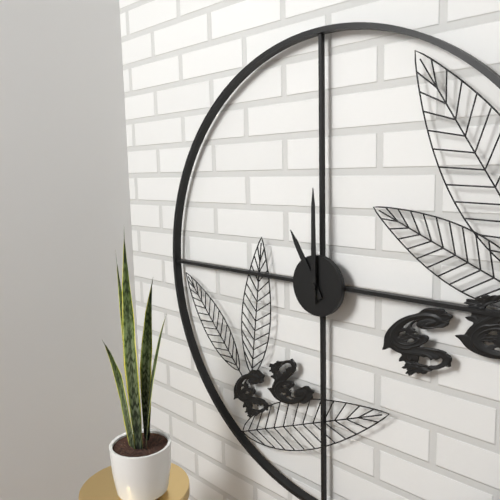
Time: {"hour": 11, "minute": 0}
